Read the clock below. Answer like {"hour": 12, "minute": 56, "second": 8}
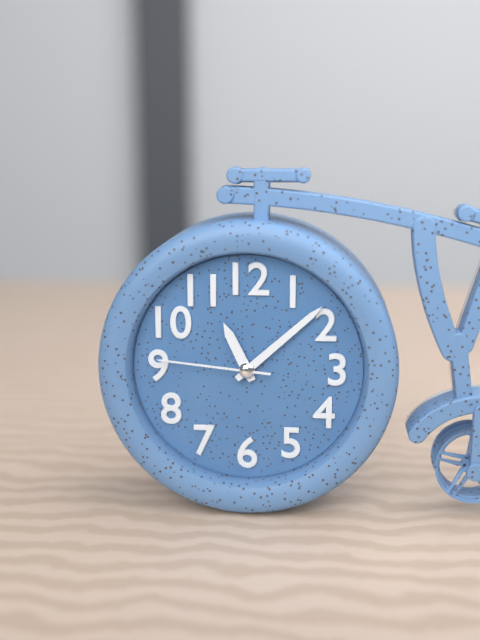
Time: {"hour": 11, "minute": 8, "second": 46}
